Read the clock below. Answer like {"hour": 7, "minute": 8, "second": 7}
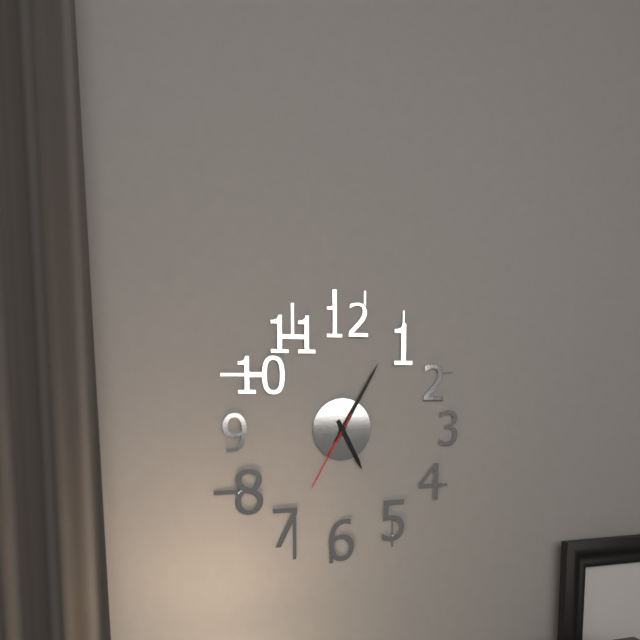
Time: {"hour": 5, "minute": 5, "second": 35}
